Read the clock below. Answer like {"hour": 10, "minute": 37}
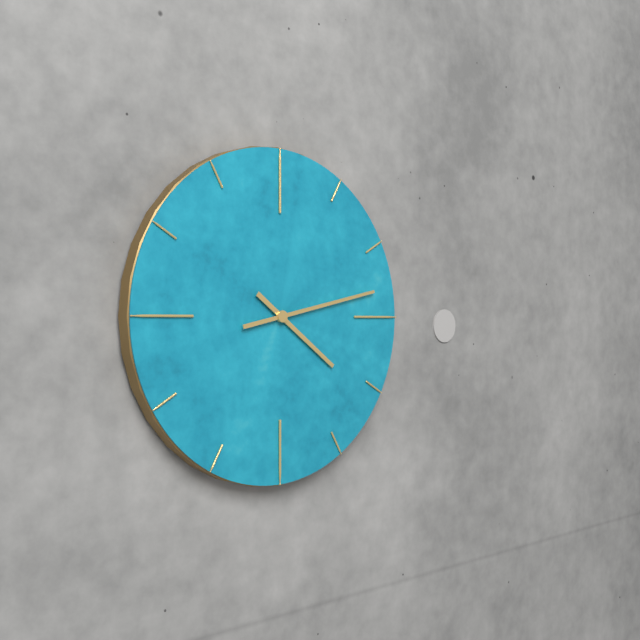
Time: {"hour": 4, "minute": 13}
